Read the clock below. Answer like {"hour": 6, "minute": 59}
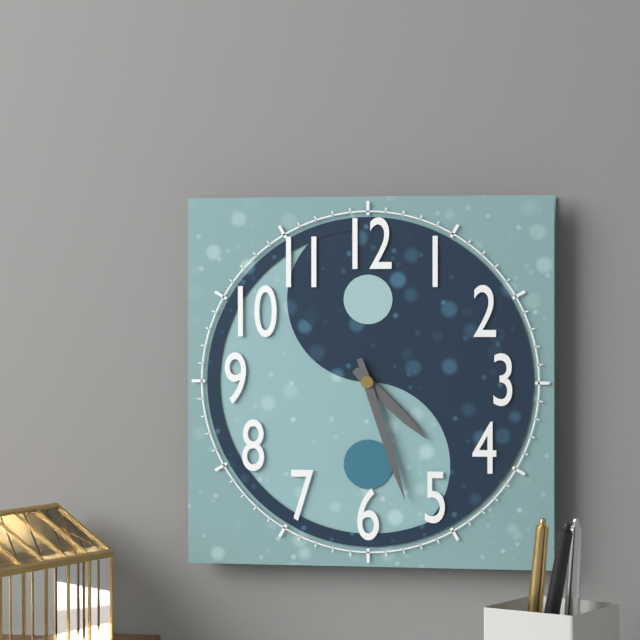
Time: {"hour": 4, "minute": 27}
